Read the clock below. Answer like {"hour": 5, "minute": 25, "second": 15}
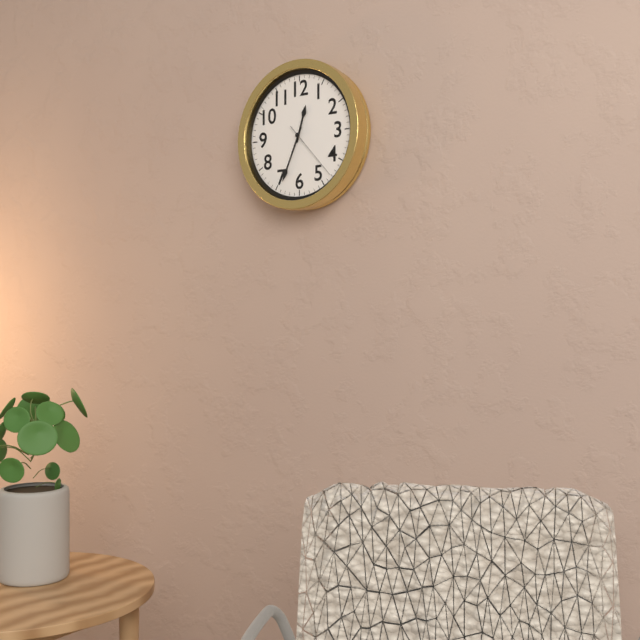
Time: {"hour": 12, "minute": 34, "second": 23}
